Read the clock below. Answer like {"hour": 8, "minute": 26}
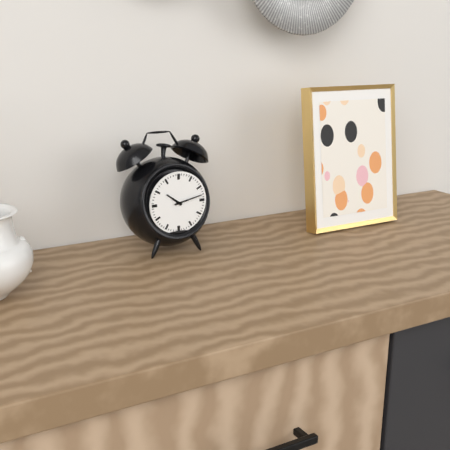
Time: {"hour": 10, "minute": 13}
